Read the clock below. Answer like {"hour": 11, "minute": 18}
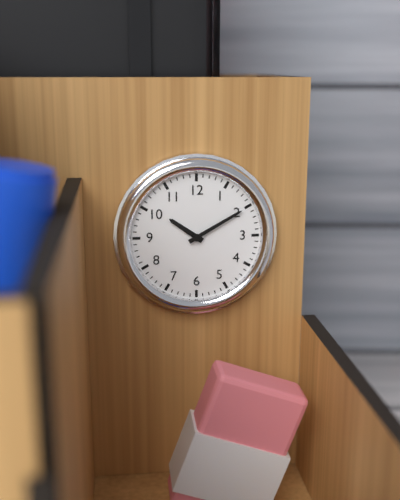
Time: {"hour": 10, "minute": 10}
